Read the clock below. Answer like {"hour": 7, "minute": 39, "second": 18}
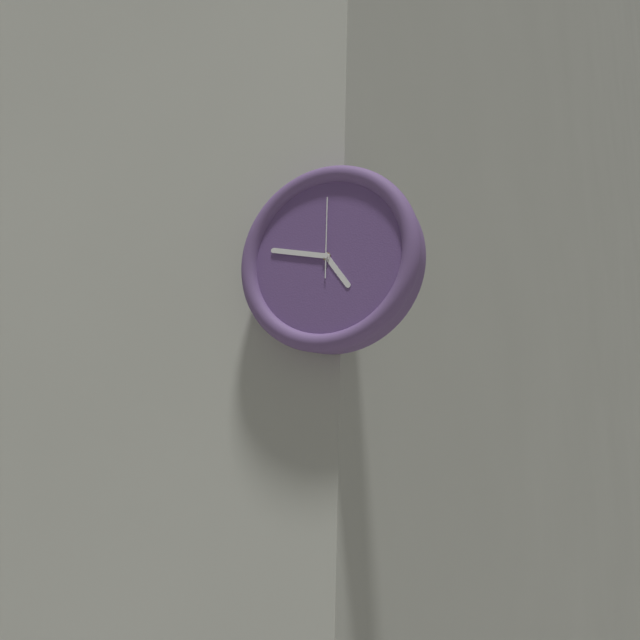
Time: {"hour": 4, "minute": 47, "second": 0}
